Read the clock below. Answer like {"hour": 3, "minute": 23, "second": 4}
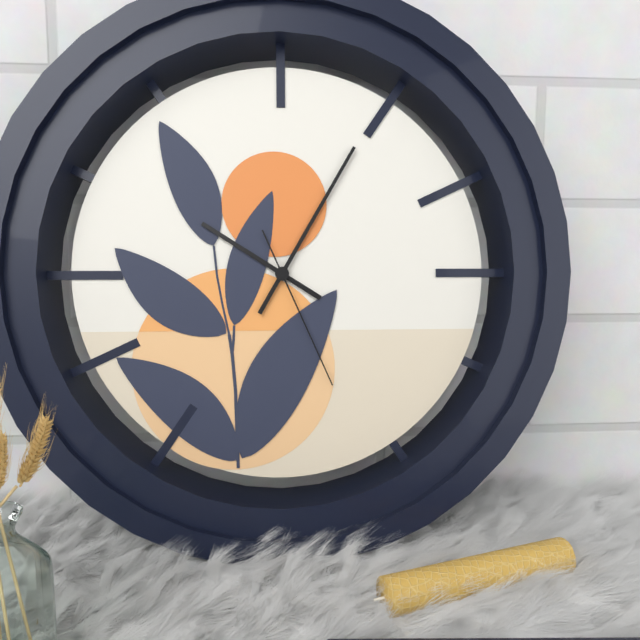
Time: {"hour": 10, "minute": 5, "second": 26}
